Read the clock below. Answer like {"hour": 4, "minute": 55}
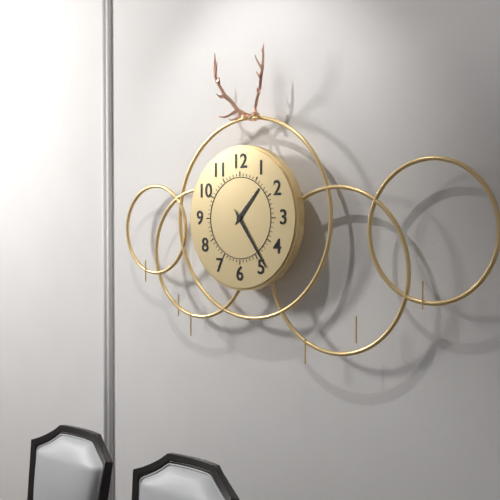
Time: {"hour": 1, "minute": 24}
